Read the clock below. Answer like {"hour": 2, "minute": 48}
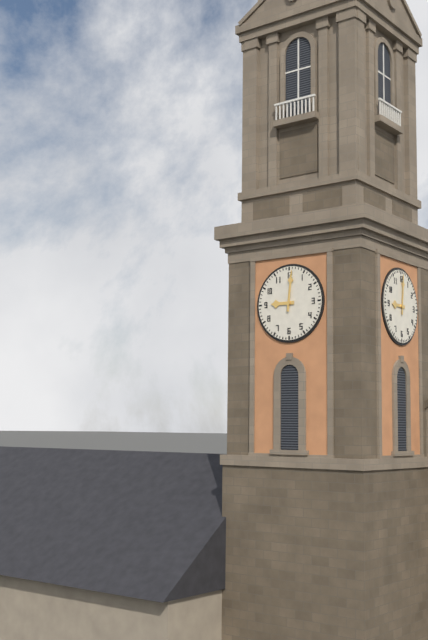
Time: {"hour": 9, "minute": 1}
